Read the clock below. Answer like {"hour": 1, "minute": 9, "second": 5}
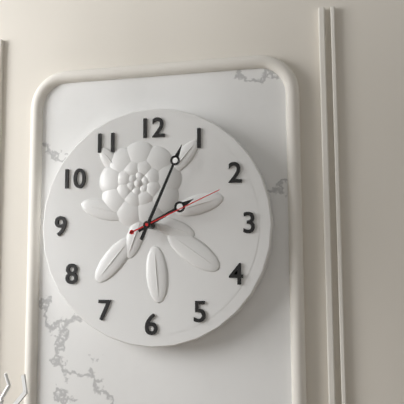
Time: {"hour": 2, "minute": 4, "second": 11}
